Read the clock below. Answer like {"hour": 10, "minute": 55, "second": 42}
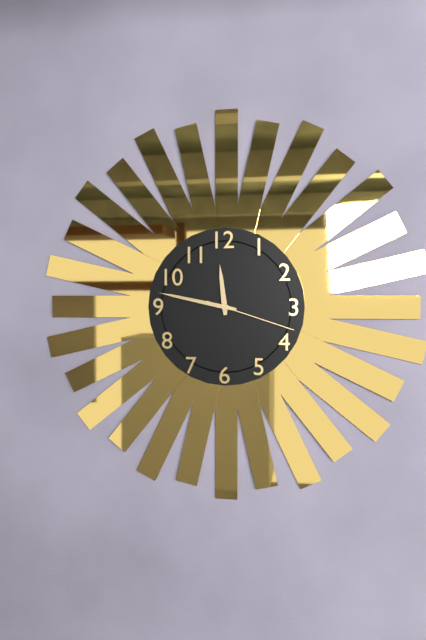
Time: {"hour": 11, "minute": 47, "second": 18}
